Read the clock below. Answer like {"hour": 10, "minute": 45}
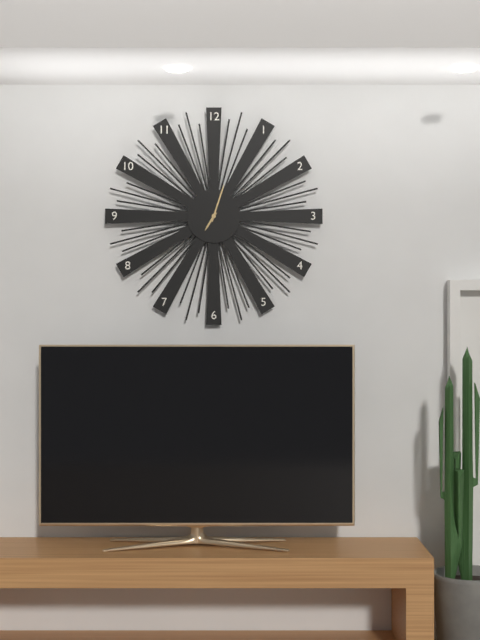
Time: {"hour": 7, "minute": 3}
